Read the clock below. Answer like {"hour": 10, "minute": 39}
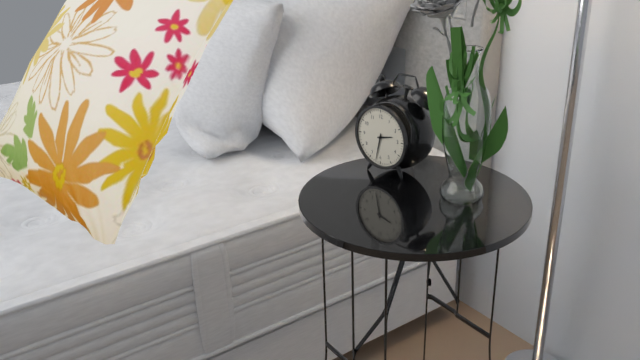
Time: {"hour": 2, "minute": 32}
